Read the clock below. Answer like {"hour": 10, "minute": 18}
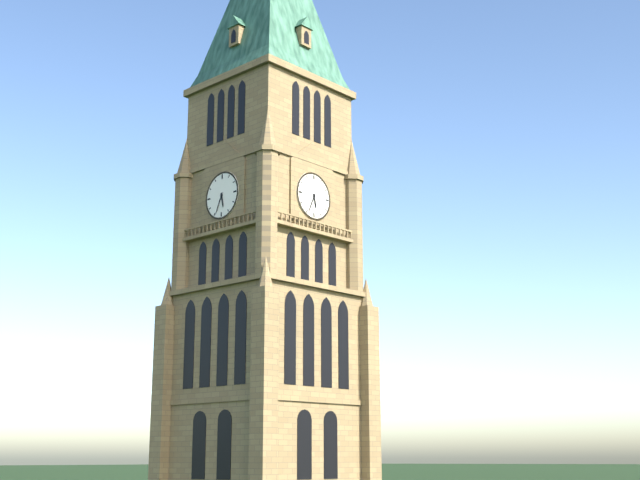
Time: {"hour": 5, "minute": 34}
